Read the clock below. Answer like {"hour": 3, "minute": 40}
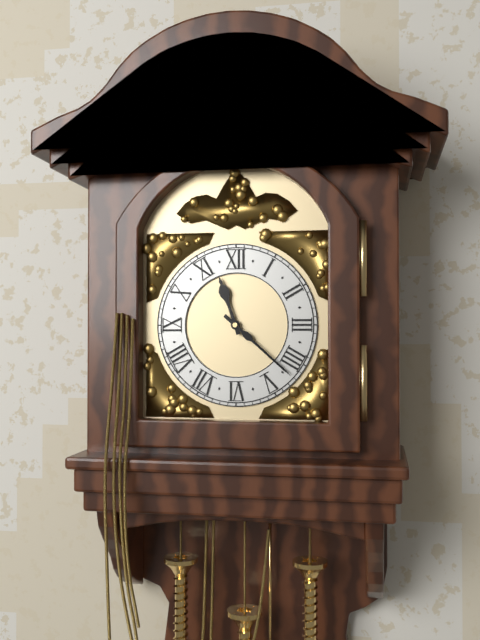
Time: {"hour": 11, "minute": 22}
